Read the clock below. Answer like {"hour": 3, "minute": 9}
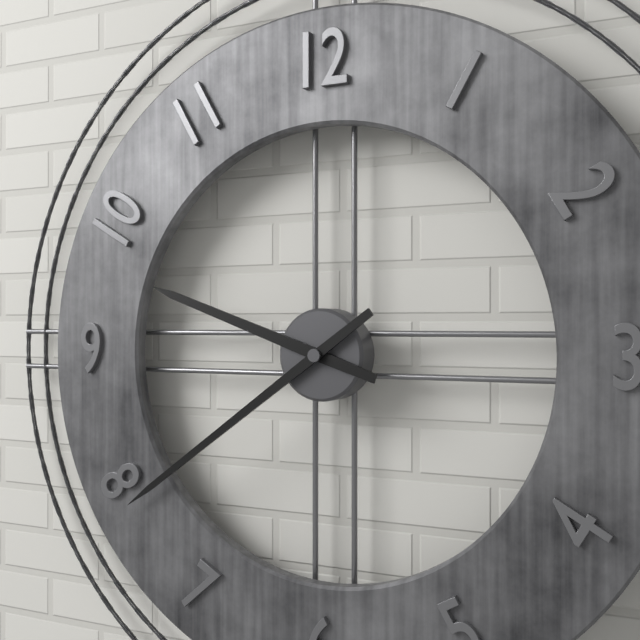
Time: {"hour": 9, "minute": 39}
